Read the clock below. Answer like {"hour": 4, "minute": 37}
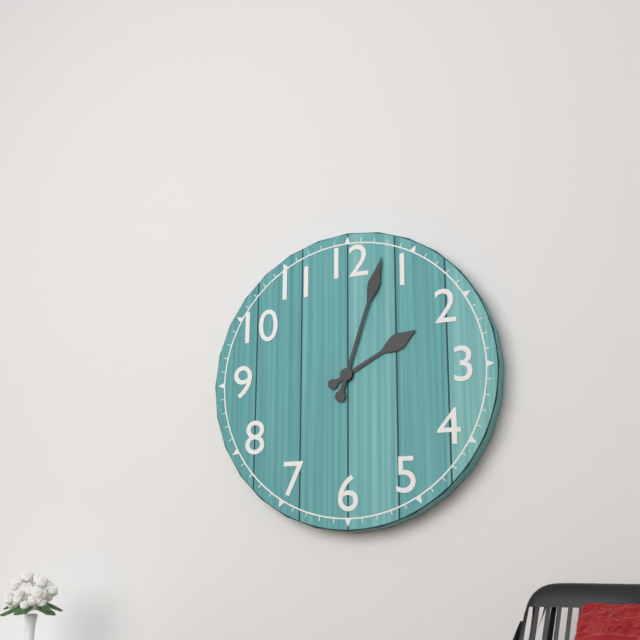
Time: {"hour": 2, "minute": 3}
